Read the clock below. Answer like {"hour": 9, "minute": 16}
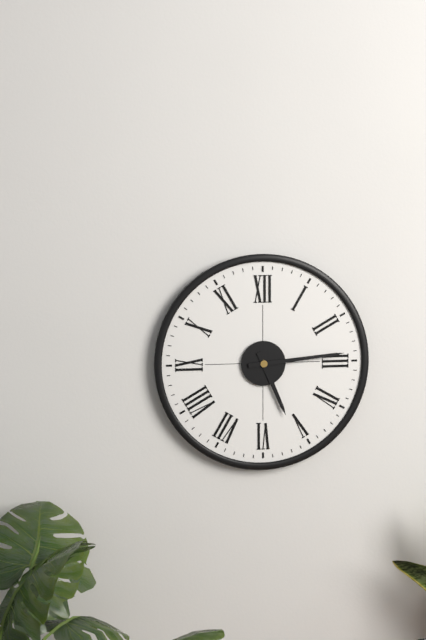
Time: {"hour": 5, "minute": 14}
